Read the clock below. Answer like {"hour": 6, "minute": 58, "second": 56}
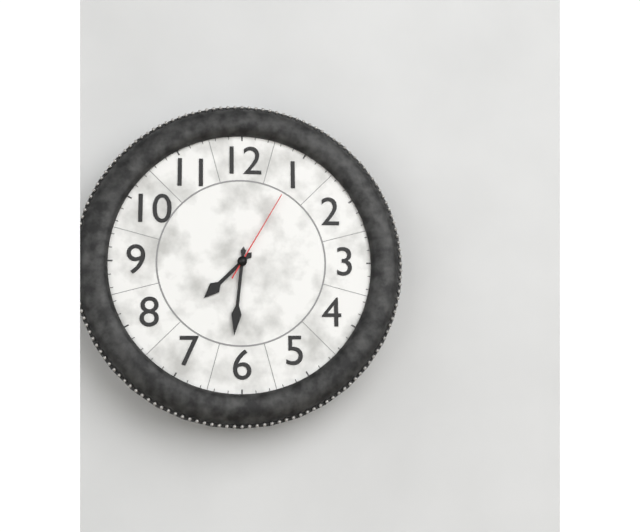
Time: {"hour": 7, "minute": 31, "second": 5}
